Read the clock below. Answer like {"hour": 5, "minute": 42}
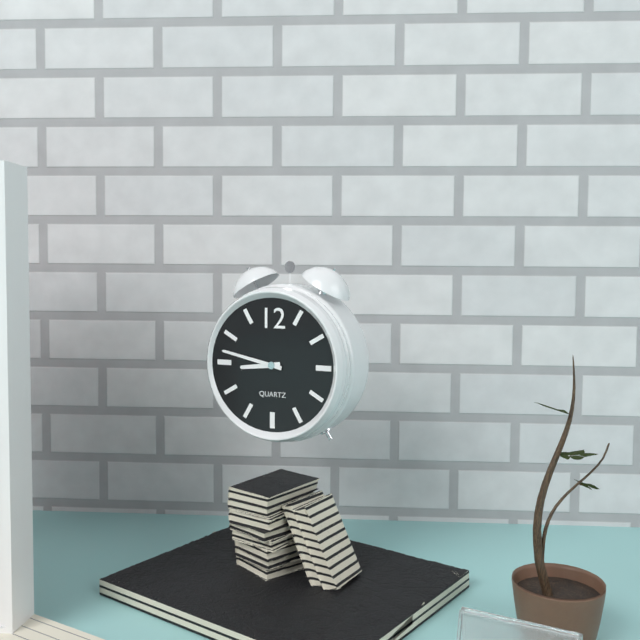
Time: {"hour": 8, "minute": 47}
